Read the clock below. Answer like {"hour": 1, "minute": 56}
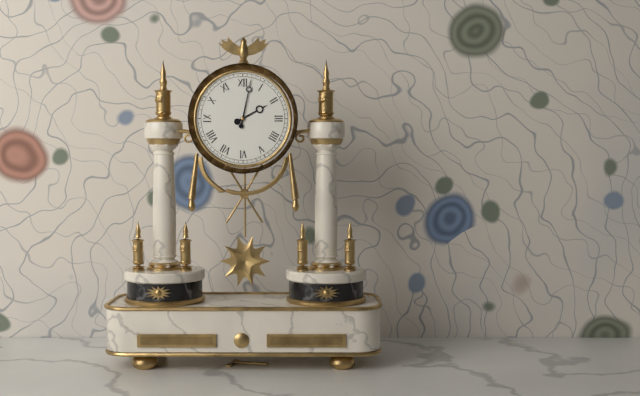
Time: {"hour": 2, "minute": 2}
